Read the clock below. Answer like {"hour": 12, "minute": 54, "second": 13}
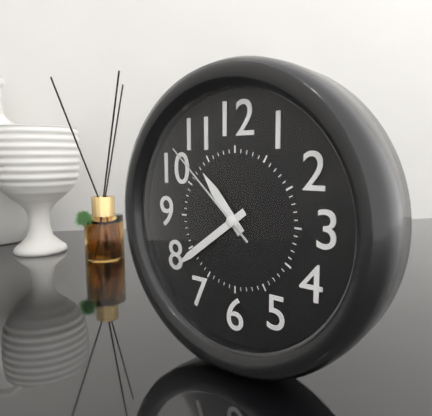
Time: {"hour": 10, "minute": 39, "second": 52}
